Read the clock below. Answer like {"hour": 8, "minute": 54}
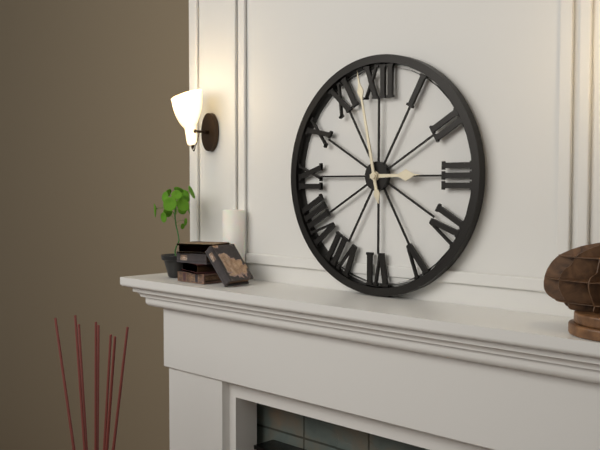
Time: {"hour": 2, "minute": 58}
